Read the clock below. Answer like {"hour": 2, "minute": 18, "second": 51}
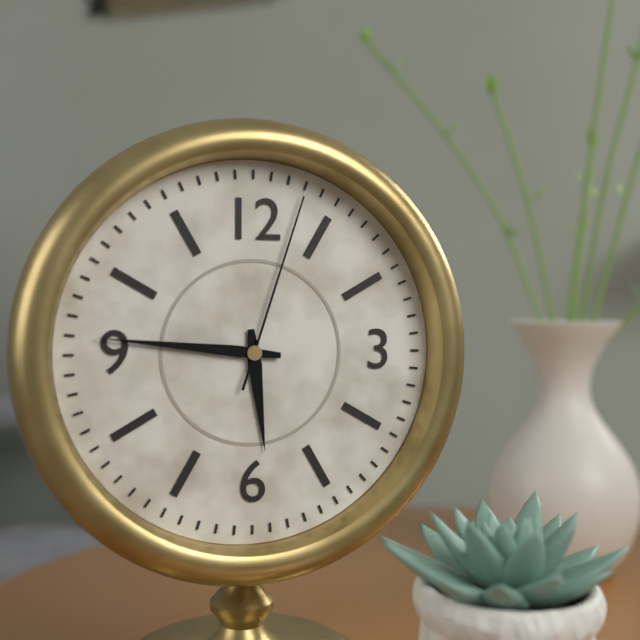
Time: {"hour": 5, "minute": 46, "second": 3}
